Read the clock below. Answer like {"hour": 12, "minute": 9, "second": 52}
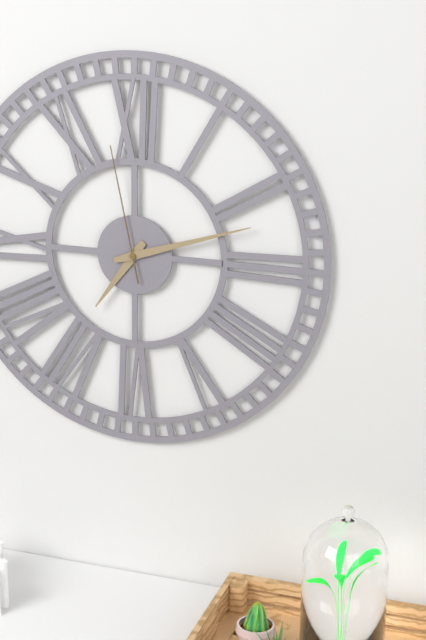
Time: {"hour": 7, "minute": 12, "second": 58}
